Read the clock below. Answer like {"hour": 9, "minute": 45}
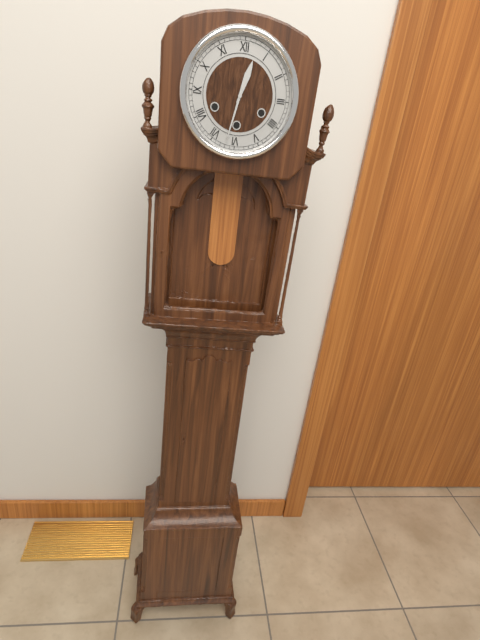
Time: {"hour": 12, "minute": 32}
